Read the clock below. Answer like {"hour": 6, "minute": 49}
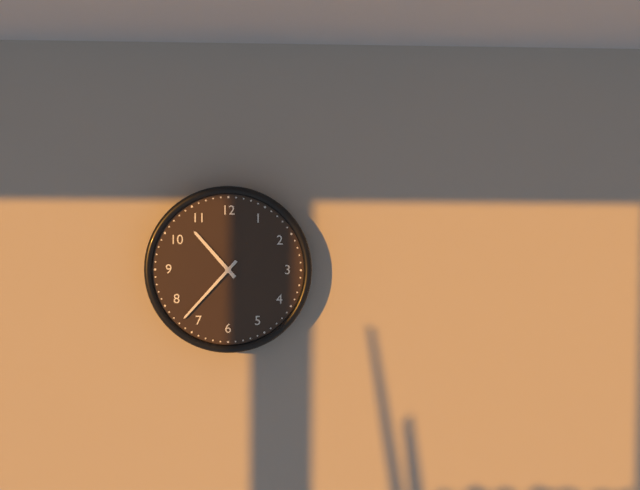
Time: {"hour": 10, "minute": 37}
